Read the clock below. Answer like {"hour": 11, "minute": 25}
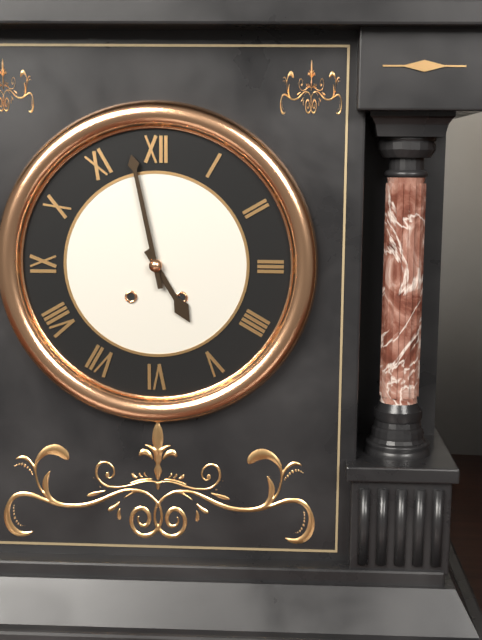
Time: {"hour": 4, "minute": 58}
